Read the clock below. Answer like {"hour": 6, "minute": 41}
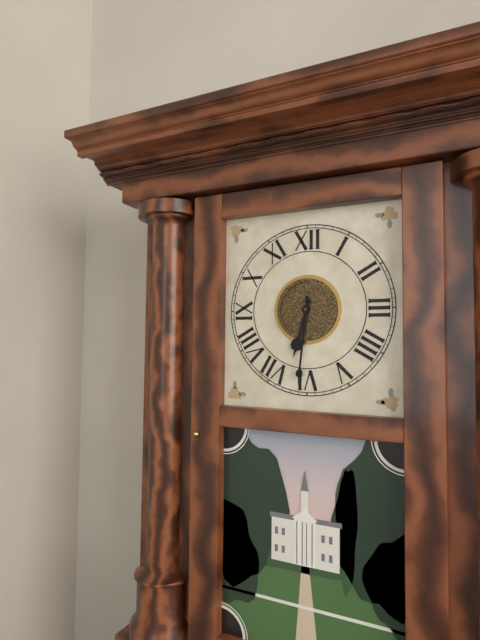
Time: {"hour": 6, "minute": 31}
